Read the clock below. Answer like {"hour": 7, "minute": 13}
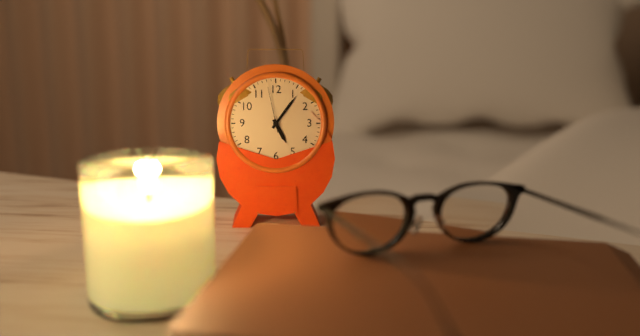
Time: {"hour": 5, "minute": 6}
